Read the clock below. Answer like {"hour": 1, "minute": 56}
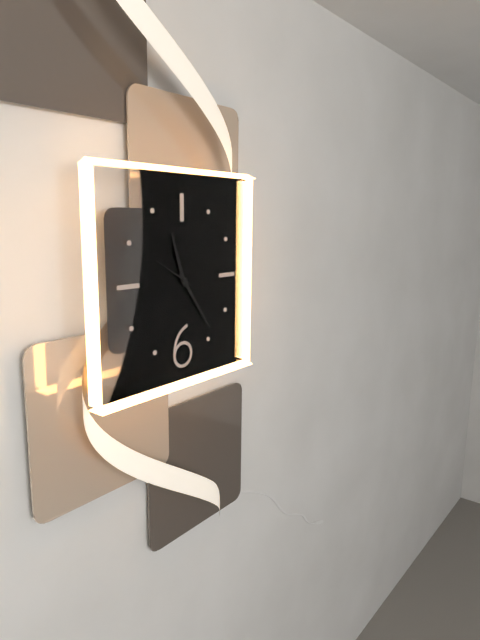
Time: {"hour": 11, "minute": 24}
